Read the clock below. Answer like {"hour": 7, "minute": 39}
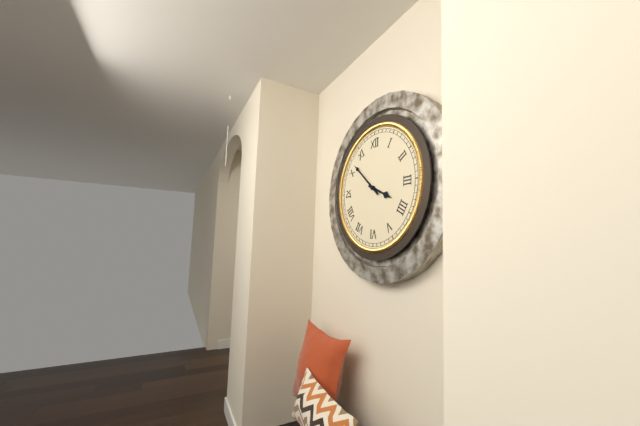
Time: {"hour": 3, "minute": 52}
